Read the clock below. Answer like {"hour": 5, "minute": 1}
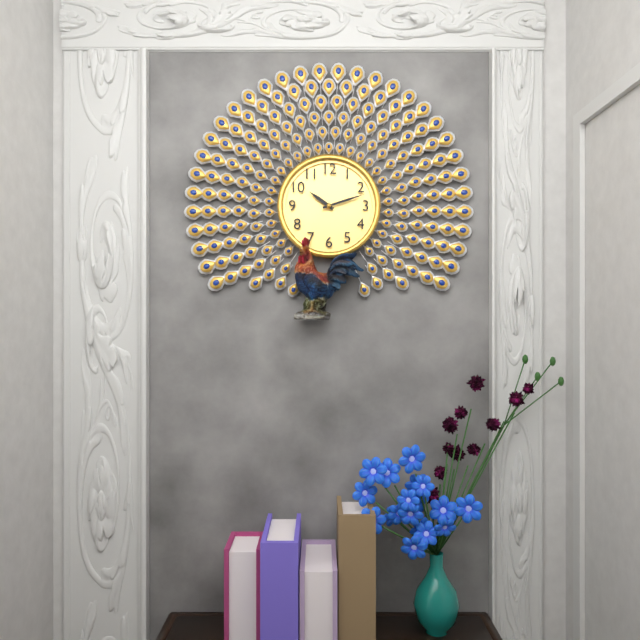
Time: {"hour": 10, "minute": 12}
